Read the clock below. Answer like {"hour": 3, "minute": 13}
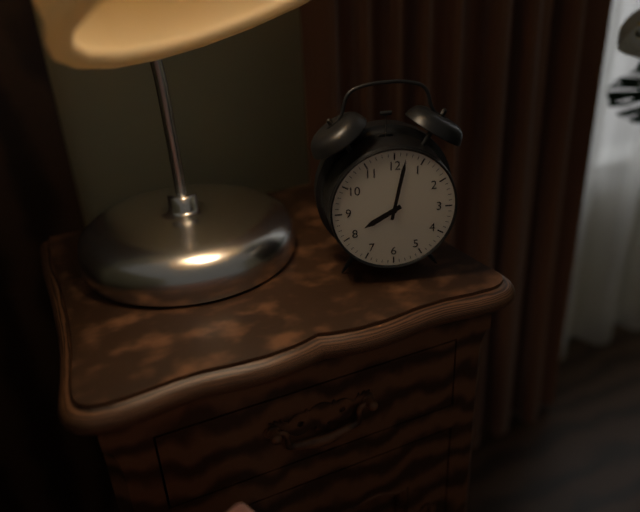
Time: {"hour": 8, "minute": 2}
